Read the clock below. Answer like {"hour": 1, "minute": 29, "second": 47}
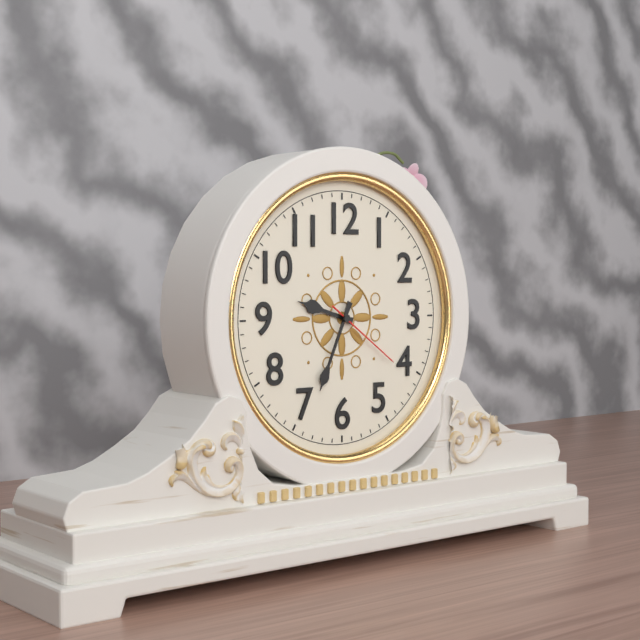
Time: {"hour": 9, "minute": 34, "second": 21}
